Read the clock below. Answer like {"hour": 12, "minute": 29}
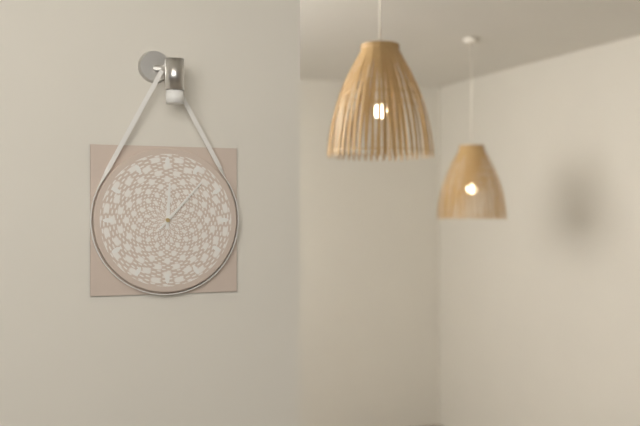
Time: {"hour": 12, "minute": 7}
